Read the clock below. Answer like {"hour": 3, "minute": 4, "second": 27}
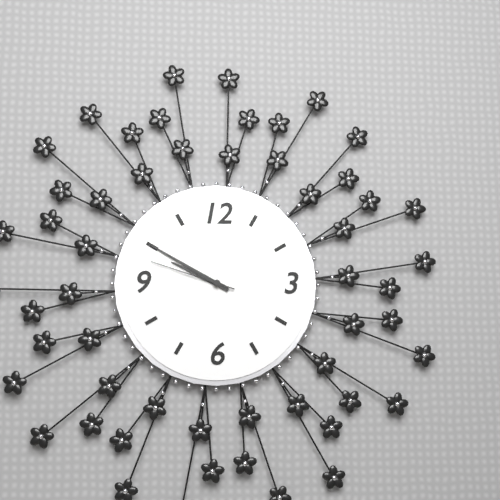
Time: {"hour": 9, "minute": 50, "second": 48}
